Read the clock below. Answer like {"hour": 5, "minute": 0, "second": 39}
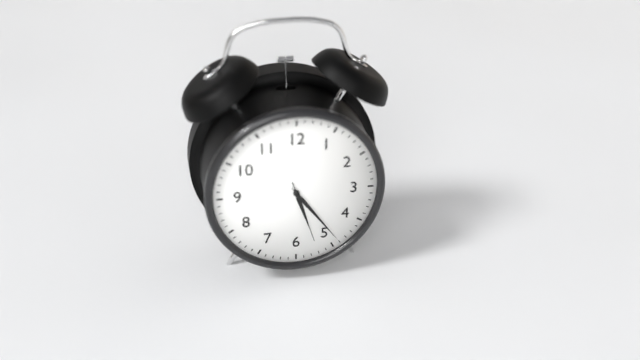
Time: {"hour": 5, "minute": 24, "second": 27}
